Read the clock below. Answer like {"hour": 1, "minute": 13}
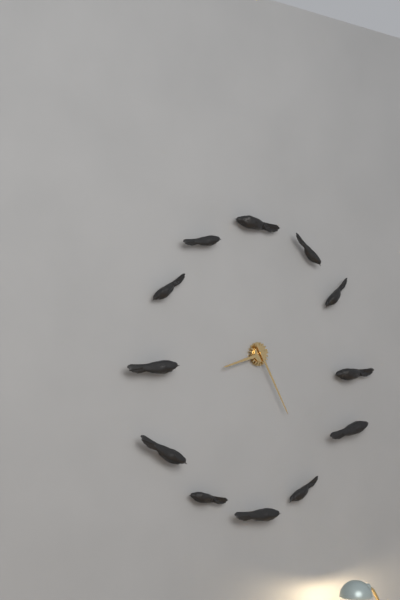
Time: {"hour": 8, "minute": 25}
